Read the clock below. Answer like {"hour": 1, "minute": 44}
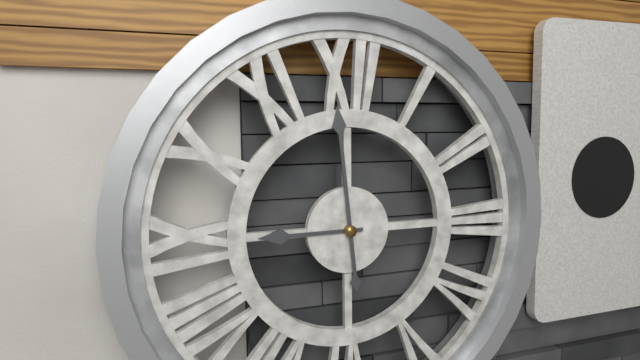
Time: {"hour": 8, "minute": 59}
